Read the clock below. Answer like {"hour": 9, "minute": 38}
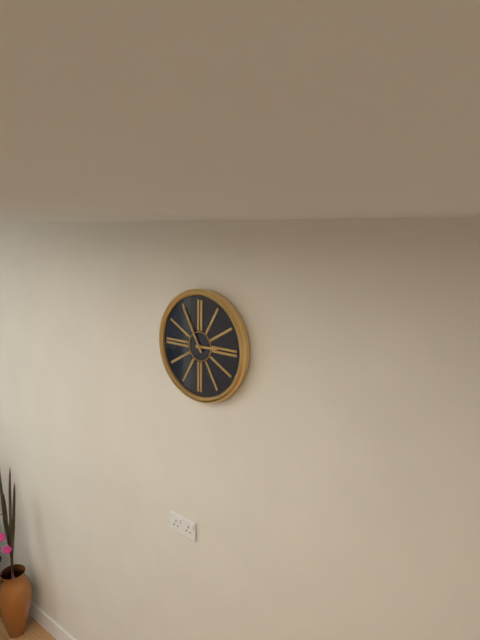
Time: {"hour": 2, "minute": 55}
